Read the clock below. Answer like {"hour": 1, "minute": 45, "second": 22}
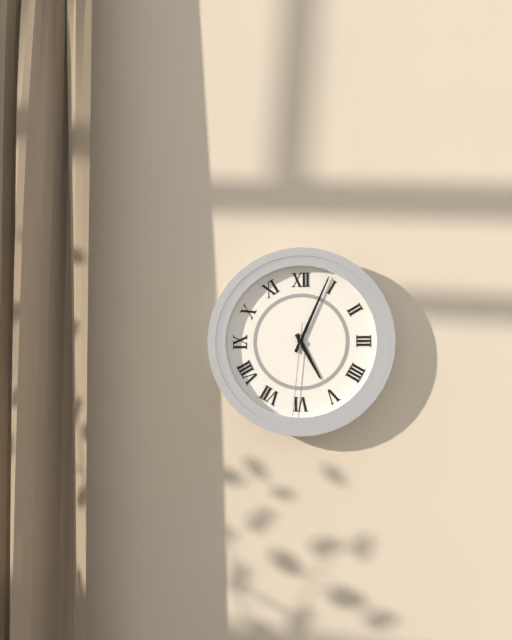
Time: {"hour": 5, "minute": 4, "second": 31}
